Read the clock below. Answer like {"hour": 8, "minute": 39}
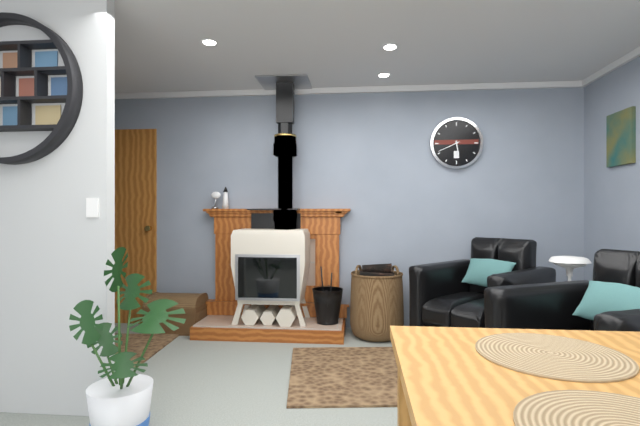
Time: {"hour": 5, "minute": 41}
